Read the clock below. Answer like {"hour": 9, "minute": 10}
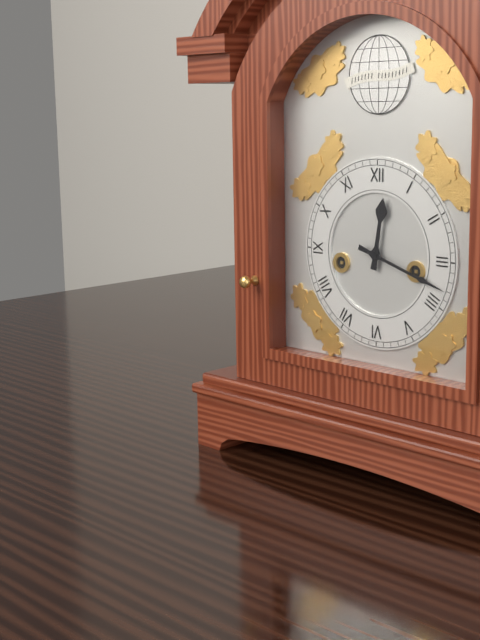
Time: {"hour": 12, "minute": 18}
